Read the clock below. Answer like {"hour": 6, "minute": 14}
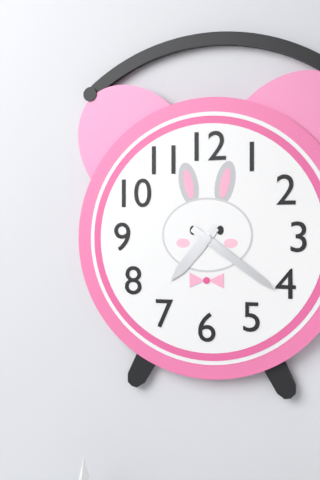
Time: {"hour": 7, "minute": 21}
